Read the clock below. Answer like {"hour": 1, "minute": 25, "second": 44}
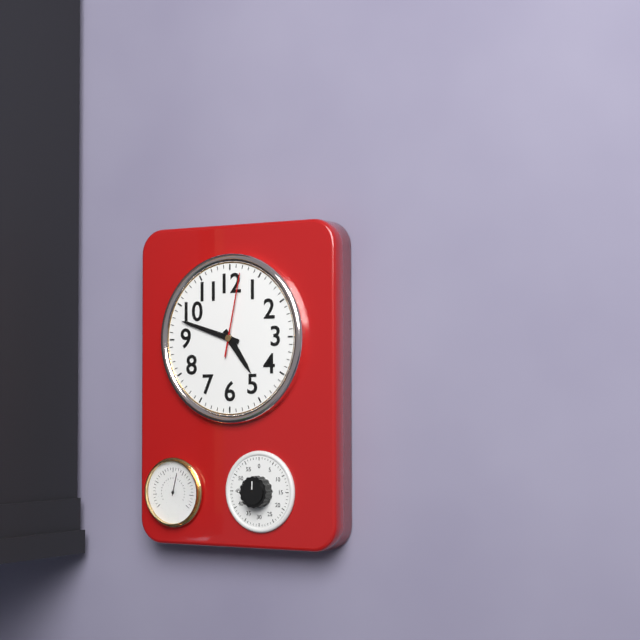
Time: {"hour": 4, "minute": 48, "second": 2}
